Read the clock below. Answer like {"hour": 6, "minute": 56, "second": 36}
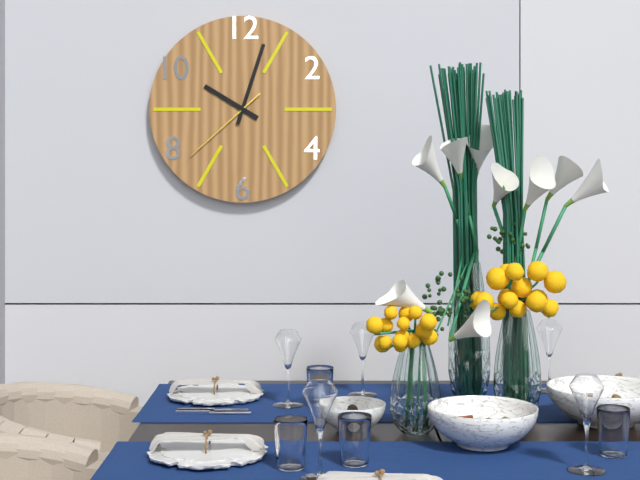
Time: {"hour": 10, "minute": 3, "second": 38}
